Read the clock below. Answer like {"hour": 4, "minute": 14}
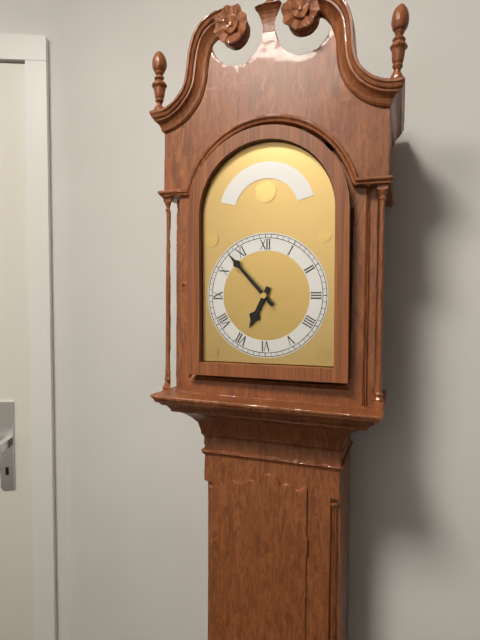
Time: {"hour": 6, "minute": 53}
